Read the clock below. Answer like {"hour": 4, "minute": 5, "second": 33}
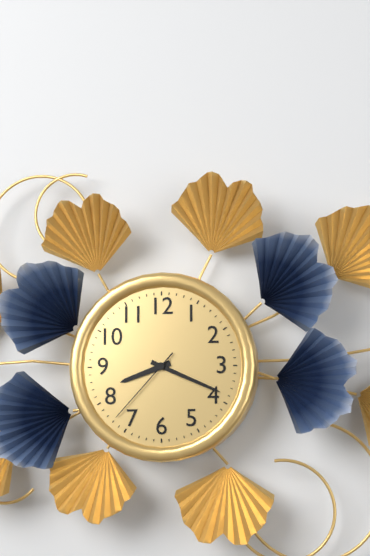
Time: {"hour": 8, "minute": 19, "second": 37}
